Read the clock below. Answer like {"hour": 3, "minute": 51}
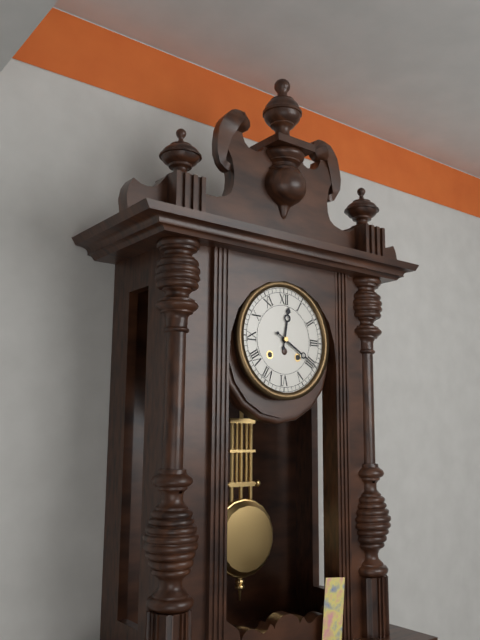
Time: {"hour": 12, "minute": 20}
